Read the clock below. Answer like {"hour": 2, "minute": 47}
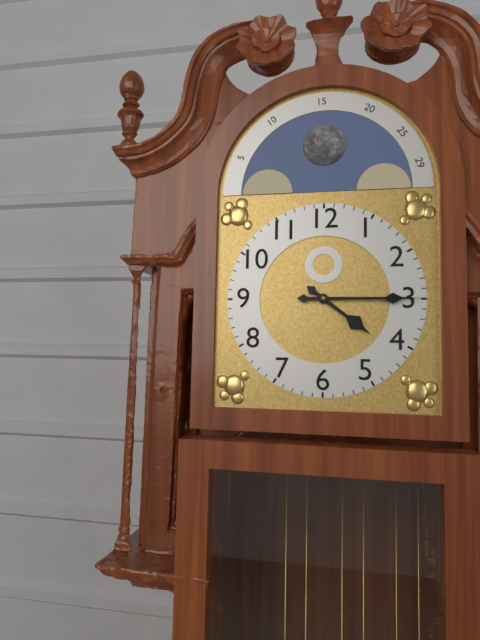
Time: {"hour": 4, "minute": 15}
